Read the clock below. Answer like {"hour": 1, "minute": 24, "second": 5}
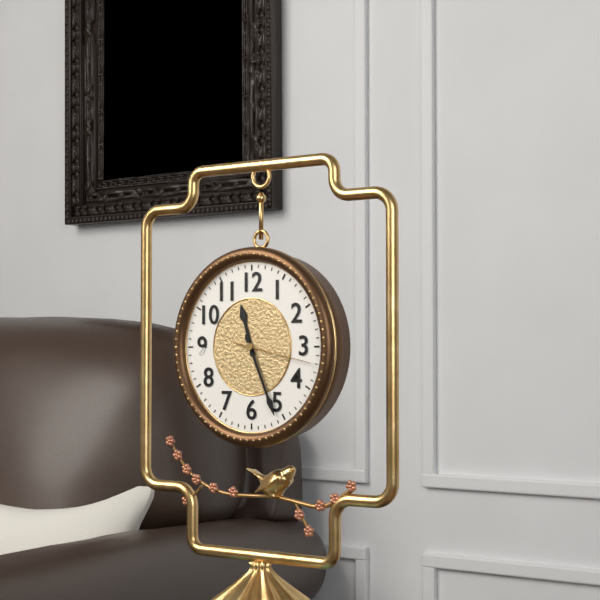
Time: {"hour": 11, "minute": 26, "second": 17}
